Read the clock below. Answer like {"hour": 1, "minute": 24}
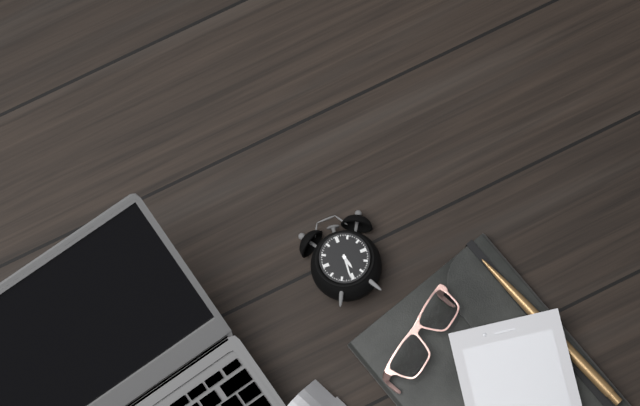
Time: {"hour": 5, "minute": 31}
